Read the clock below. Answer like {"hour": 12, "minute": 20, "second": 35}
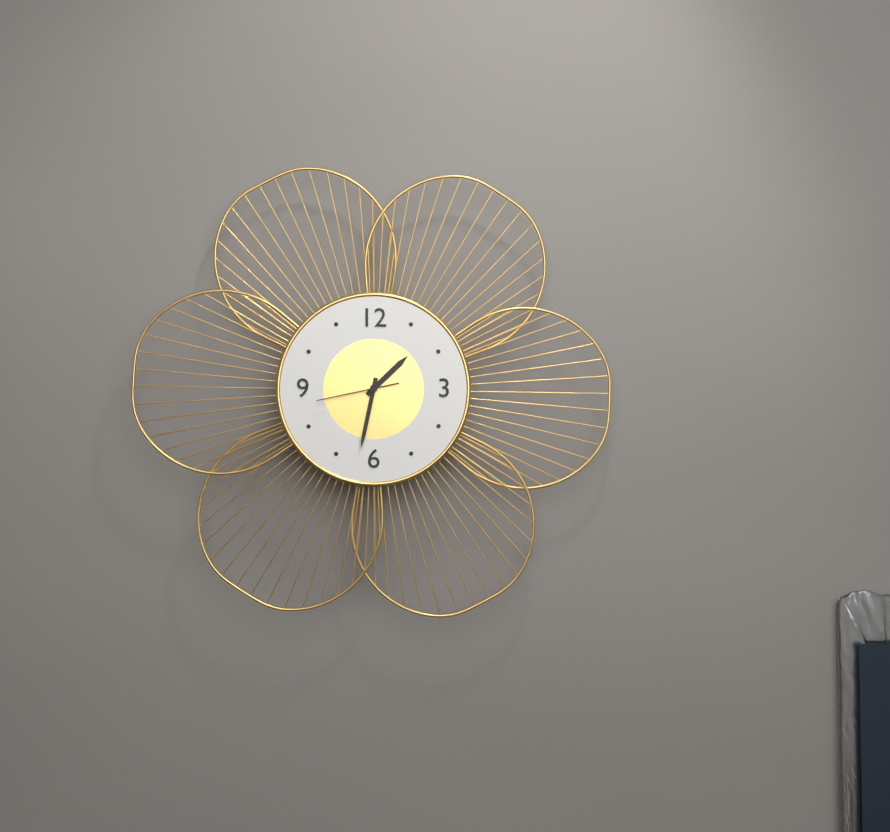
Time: {"hour": 1, "minute": 32, "second": 43}
